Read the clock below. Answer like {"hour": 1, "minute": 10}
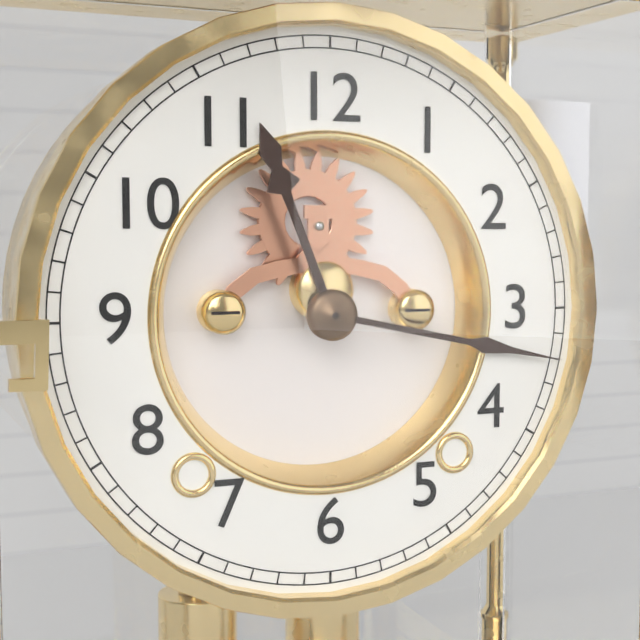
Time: {"hour": 11, "minute": 17}
